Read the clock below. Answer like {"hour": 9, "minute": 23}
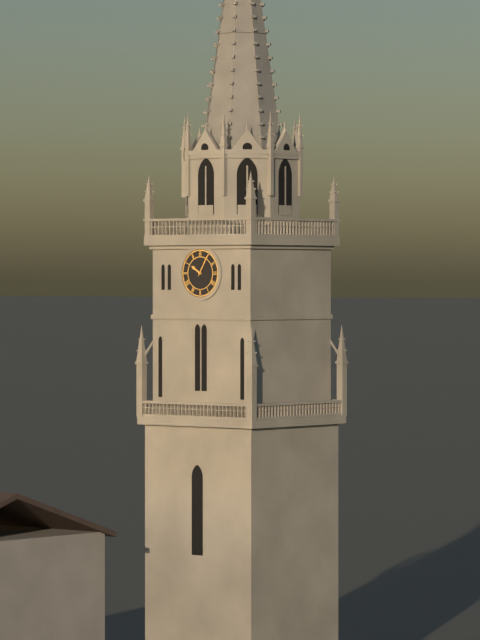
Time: {"hour": 10, "minute": 5}
